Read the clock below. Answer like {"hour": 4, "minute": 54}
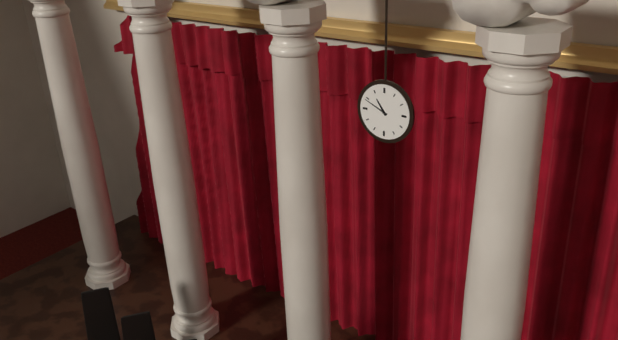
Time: {"hour": 10, "minute": 49}
